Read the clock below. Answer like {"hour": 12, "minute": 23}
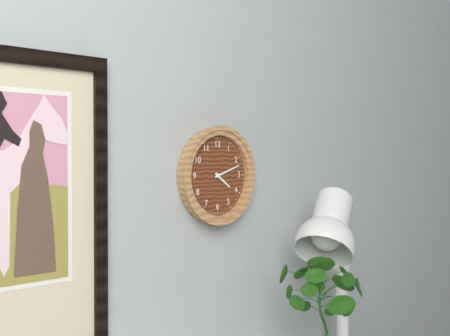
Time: {"hour": 4, "minute": 12}
